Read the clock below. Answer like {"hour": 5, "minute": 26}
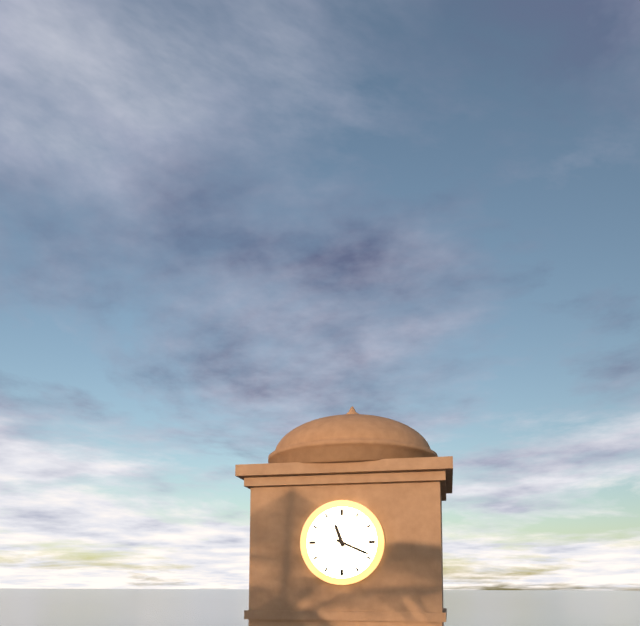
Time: {"hour": 11, "minute": 19}
